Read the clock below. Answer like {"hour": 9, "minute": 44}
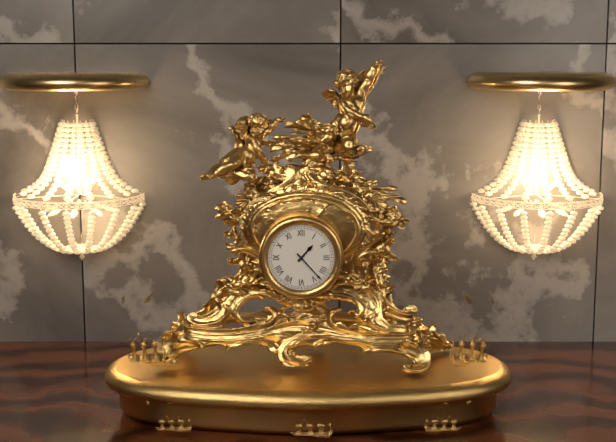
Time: {"hour": 1, "minute": 23}
